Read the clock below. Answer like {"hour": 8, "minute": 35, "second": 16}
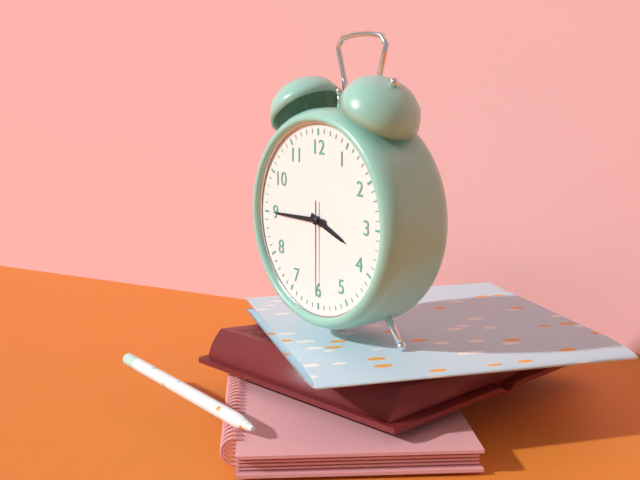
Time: {"hour": 3, "minute": 45, "second": 30}
